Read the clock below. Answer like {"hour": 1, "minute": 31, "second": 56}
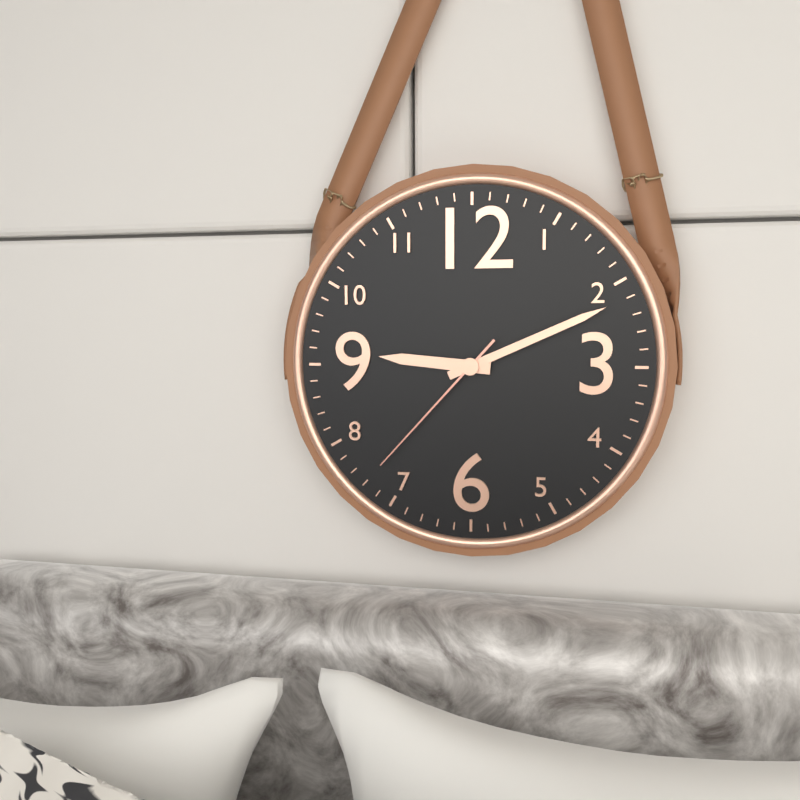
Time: {"hour": 9, "minute": 11, "second": 37}
